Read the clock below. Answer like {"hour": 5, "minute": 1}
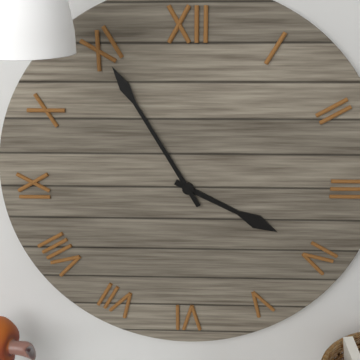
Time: {"hour": 3, "minute": 55}
